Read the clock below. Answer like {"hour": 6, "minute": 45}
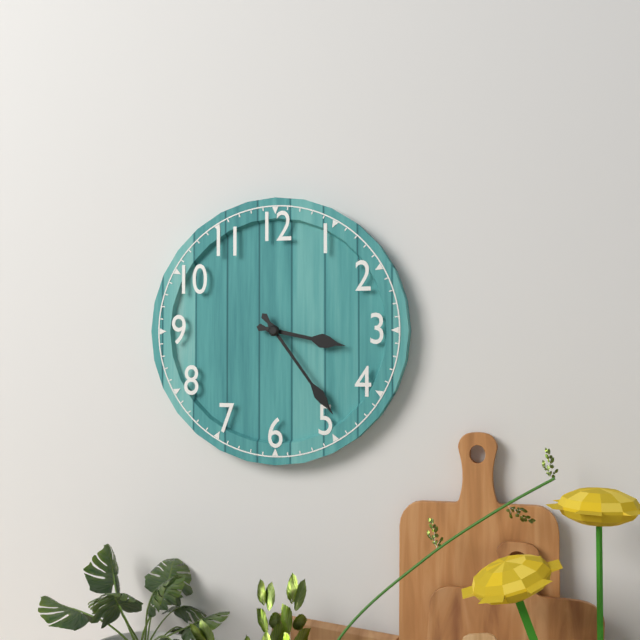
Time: {"hour": 3, "minute": 24}
